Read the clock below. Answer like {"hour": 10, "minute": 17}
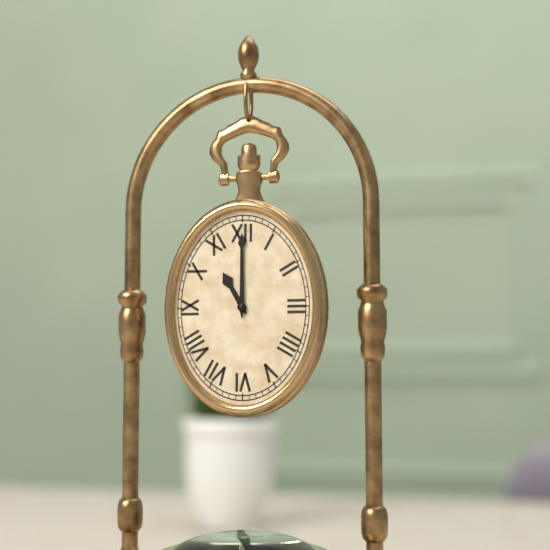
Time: {"hour": 11, "minute": 0}
